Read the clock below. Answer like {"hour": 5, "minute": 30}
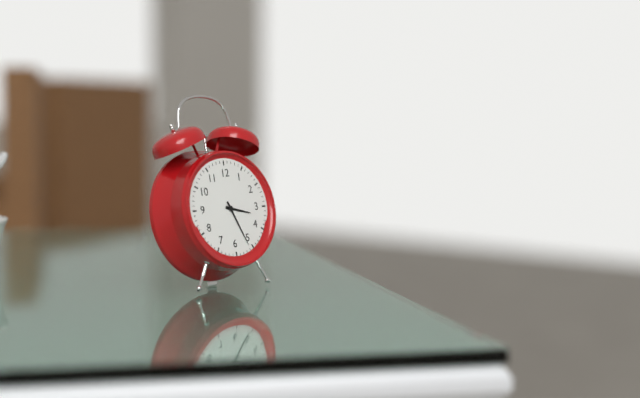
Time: {"hour": 3, "minute": 26}
